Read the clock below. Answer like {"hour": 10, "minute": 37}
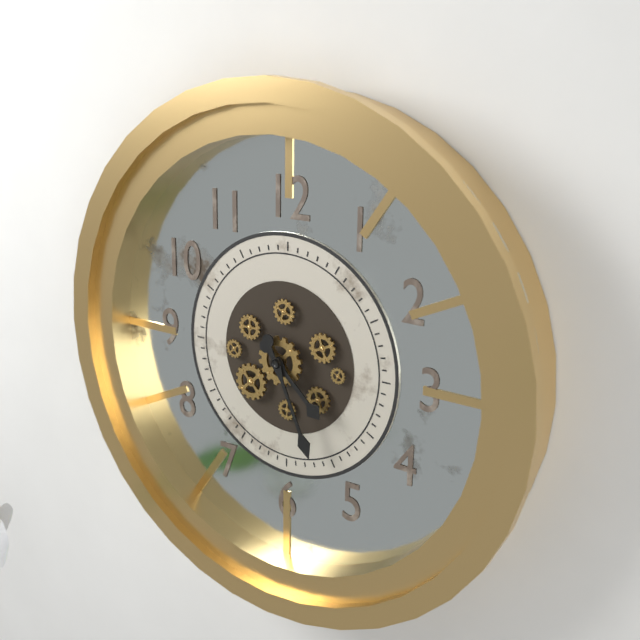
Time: {"hour": 4, "minute": 26}
